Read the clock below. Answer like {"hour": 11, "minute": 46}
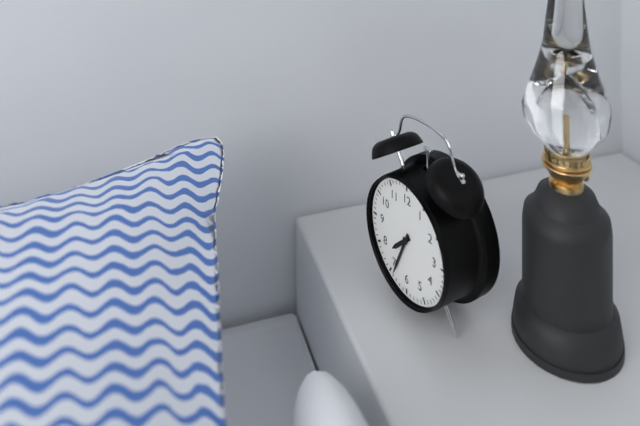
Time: {"hour": 7, "minute": 34}
